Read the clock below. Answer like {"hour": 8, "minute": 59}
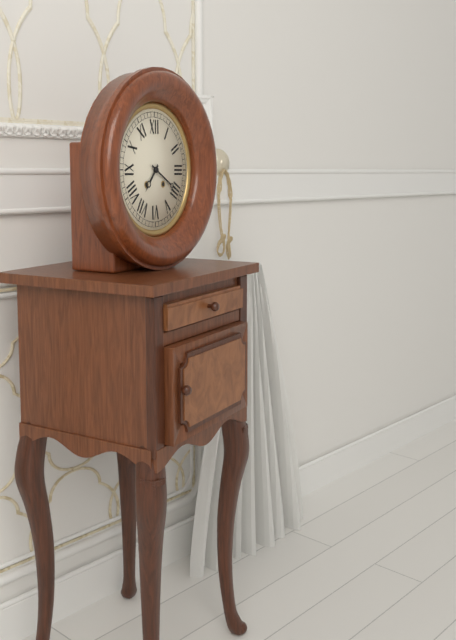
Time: {"hour": 7, "minute": 20}
